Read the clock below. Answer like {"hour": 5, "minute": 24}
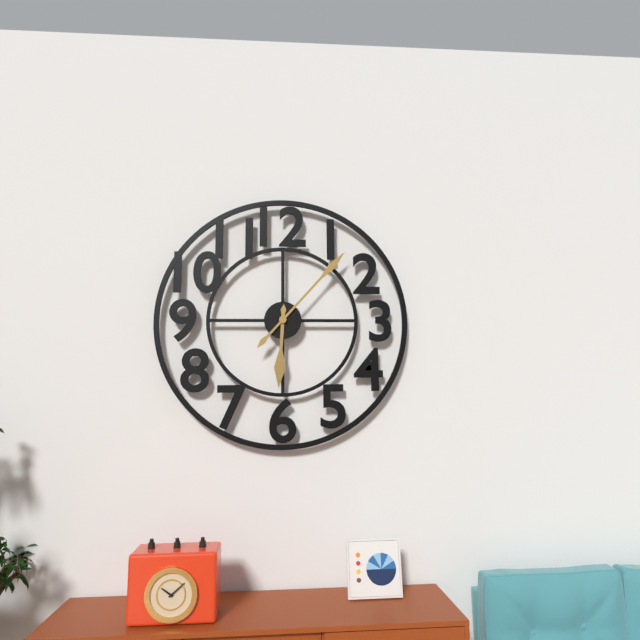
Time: {"hour": 6, "minute": 7}
